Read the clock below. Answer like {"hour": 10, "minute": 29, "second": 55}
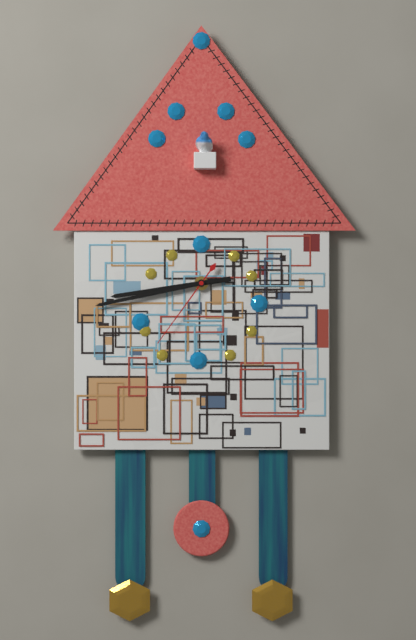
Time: {"hour": 8, "minute": 43, "second": 36}
